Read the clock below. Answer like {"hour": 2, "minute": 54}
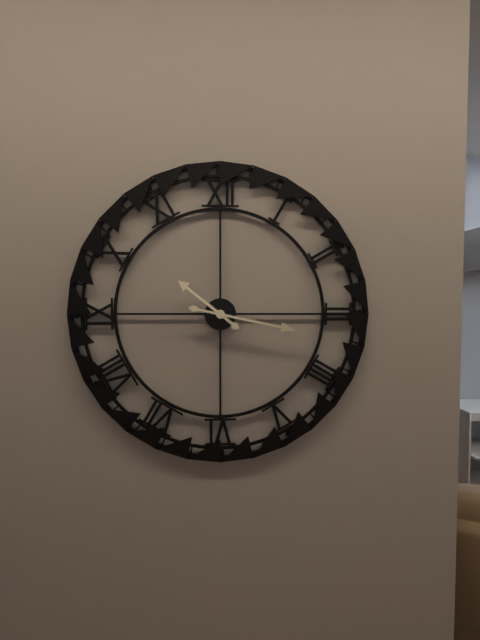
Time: {"hour": 10, "minute": 17}
